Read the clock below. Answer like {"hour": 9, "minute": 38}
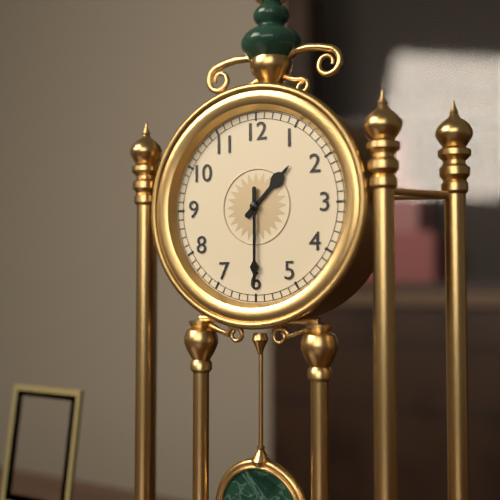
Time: {"hour": 1, "minute": 30}
